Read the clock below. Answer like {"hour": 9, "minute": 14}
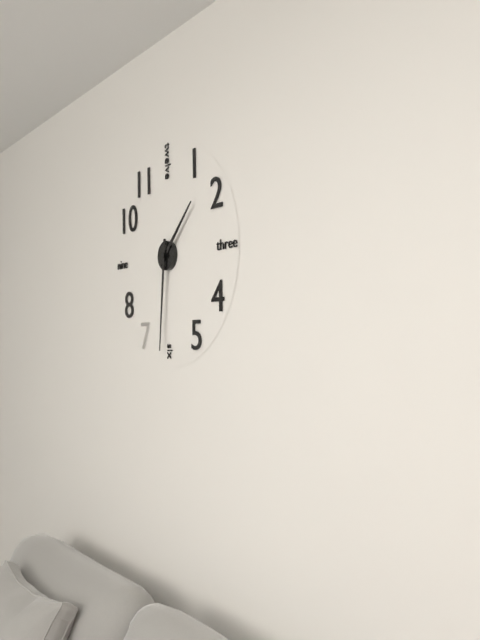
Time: {"hour": 1, "minute": 31}
